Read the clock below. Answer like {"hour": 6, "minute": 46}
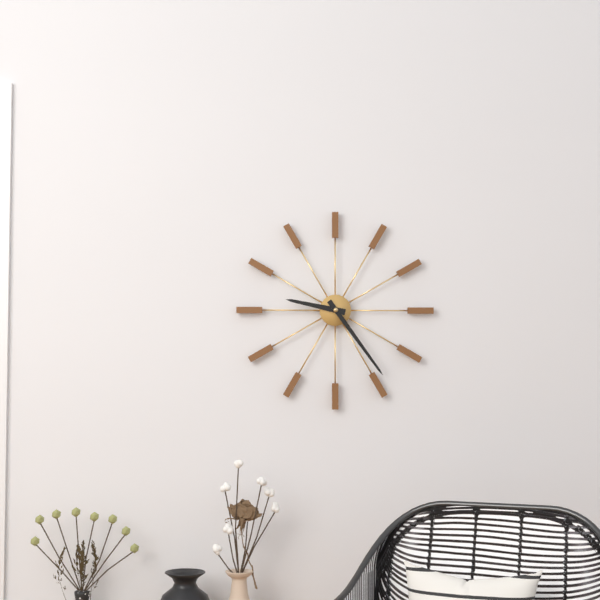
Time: {"hour": 9, "minute": 24}
